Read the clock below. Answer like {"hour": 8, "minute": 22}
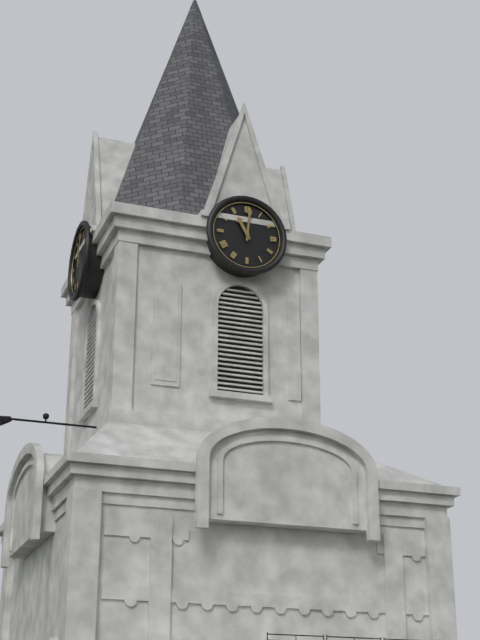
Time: {"hour": 11, "minute": 1}
